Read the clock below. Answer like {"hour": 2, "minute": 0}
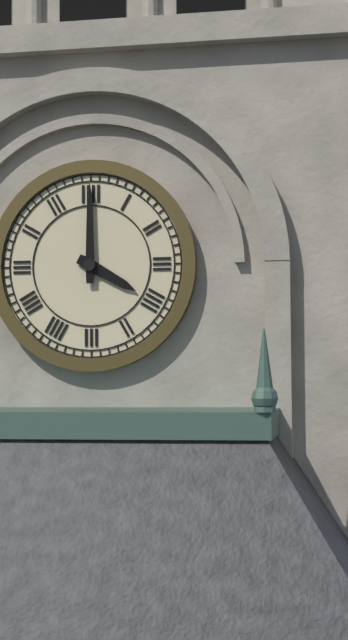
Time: {"hour": 4, "minute": 0}
